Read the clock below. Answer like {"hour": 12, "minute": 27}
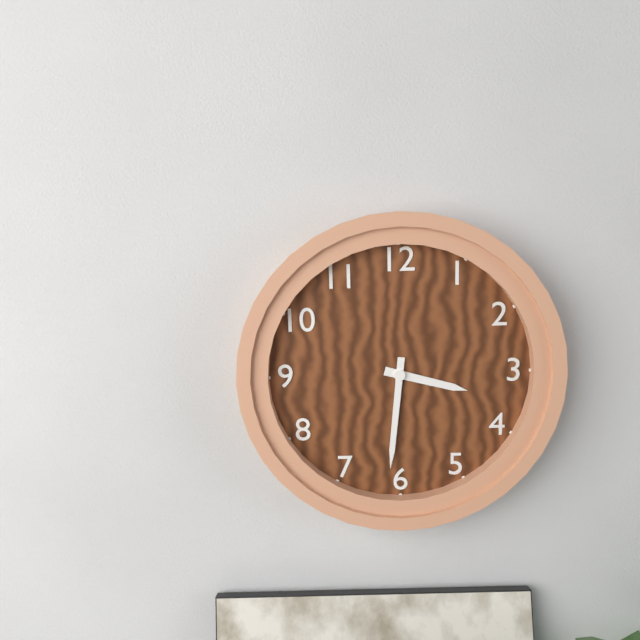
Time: {"hour": 3, "minute": 31}
